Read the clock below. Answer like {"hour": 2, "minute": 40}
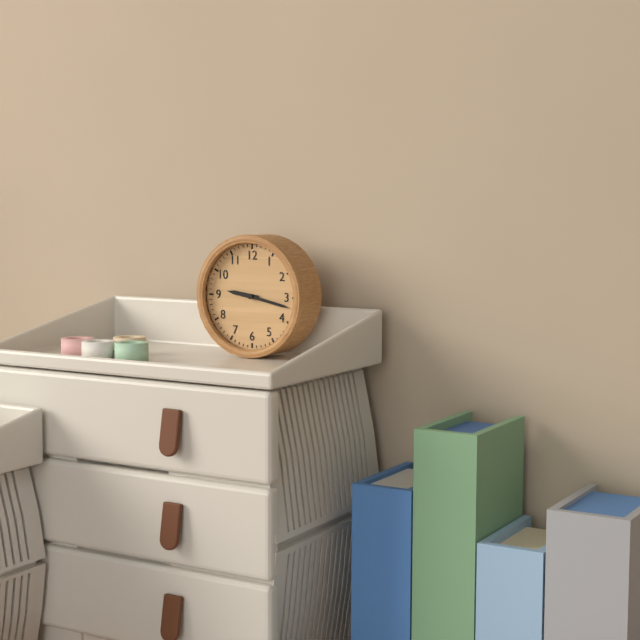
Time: {"hour": 9, "minute": 17}
